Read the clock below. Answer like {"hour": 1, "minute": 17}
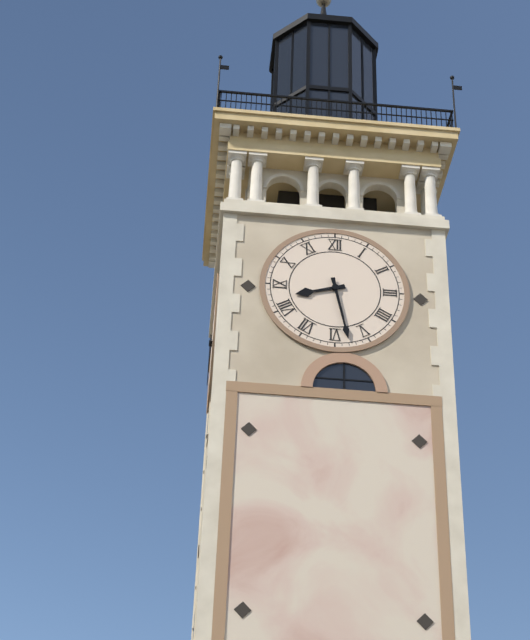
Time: {"hour": 8, "minute": 28}
